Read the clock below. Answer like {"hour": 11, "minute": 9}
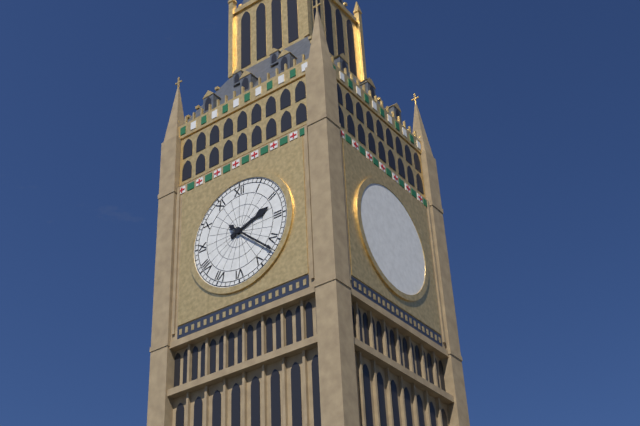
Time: {"hour": 2, "minute": 22}
